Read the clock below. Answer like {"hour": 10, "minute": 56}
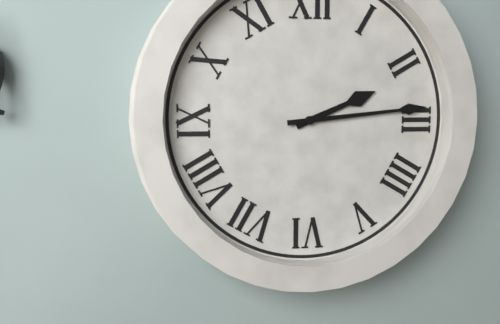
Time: {"hour": 2, "minute": 14}
